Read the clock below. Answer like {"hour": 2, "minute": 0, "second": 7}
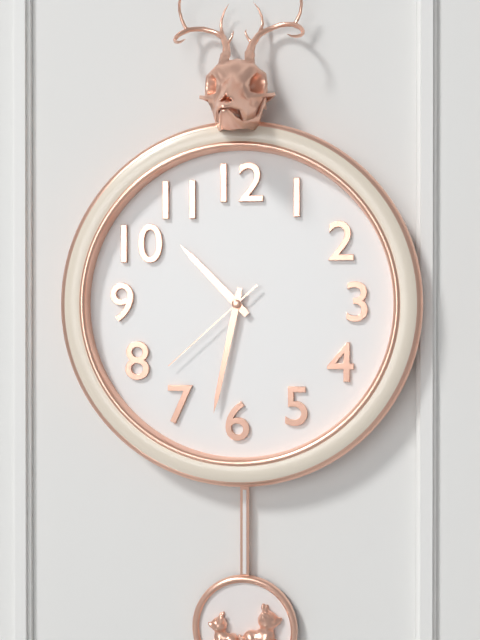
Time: {"hour": 10, "minute": 32, "second": 38}
